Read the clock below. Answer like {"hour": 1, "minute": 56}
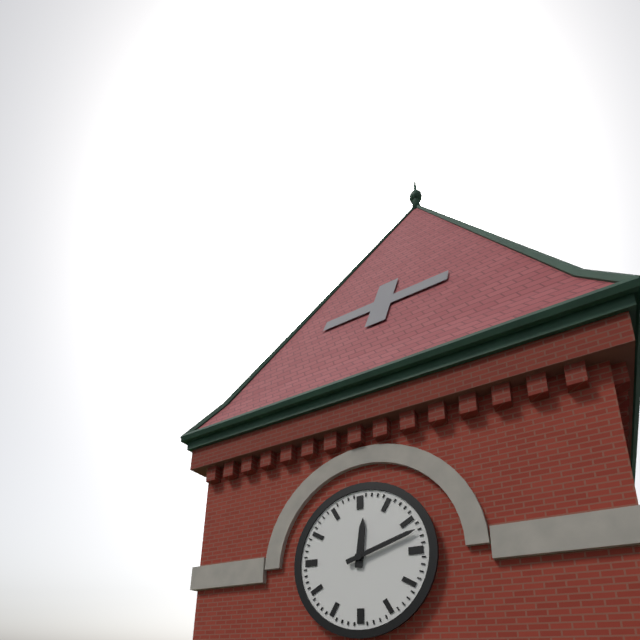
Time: {"hour": 12, "minute": 12}
